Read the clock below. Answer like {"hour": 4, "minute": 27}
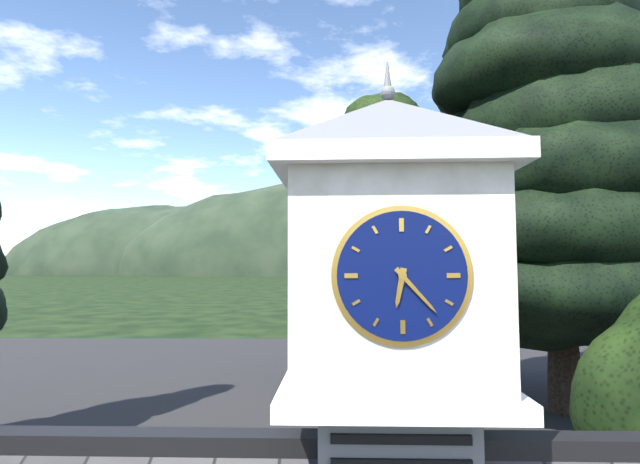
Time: {"hour": 6, "minute": 23}
